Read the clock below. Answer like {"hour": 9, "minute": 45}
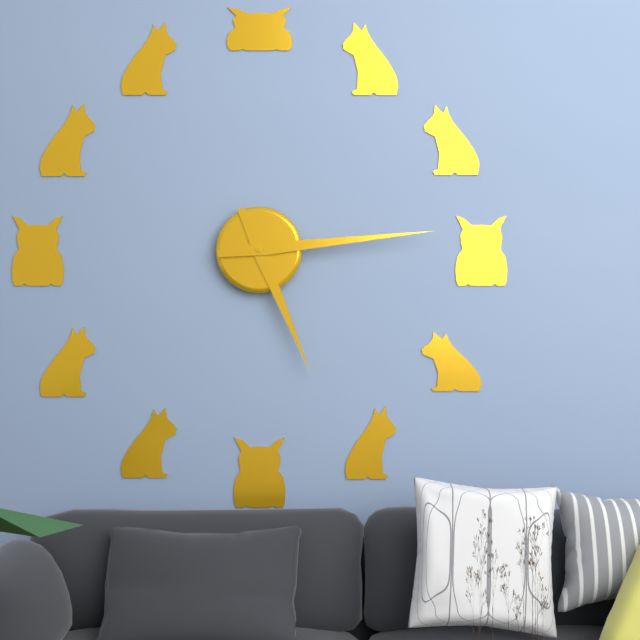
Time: {"hour": 5, "minute": 14}
